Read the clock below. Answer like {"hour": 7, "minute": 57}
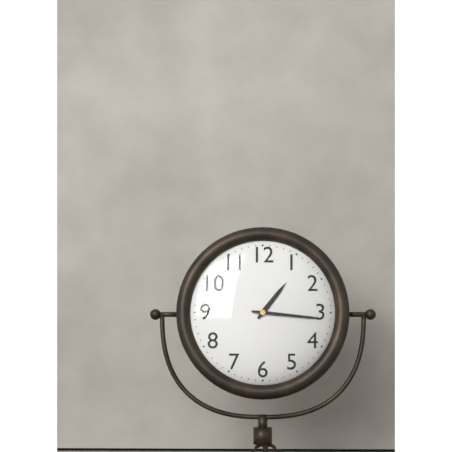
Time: {"hour": 1, "minute": 16}
